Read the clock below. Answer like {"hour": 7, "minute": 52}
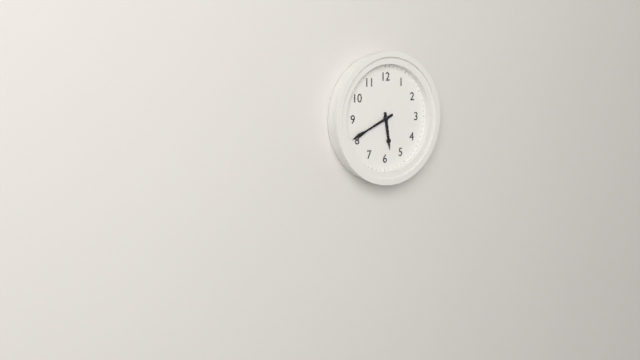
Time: {"hour": 5, "minute": 41}
